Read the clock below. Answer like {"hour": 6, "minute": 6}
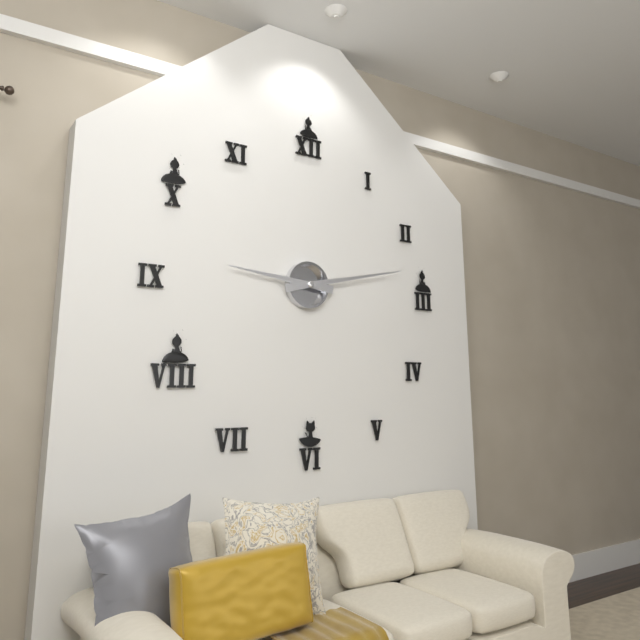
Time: {"hour": 9, "minute": 13}
